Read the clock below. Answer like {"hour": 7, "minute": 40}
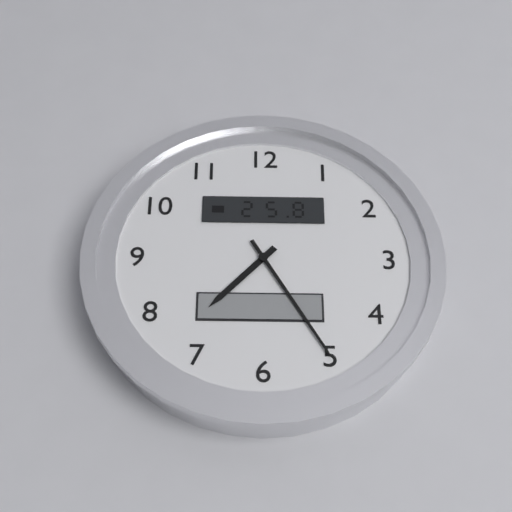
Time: {"hour": 7, "minute": 25}
